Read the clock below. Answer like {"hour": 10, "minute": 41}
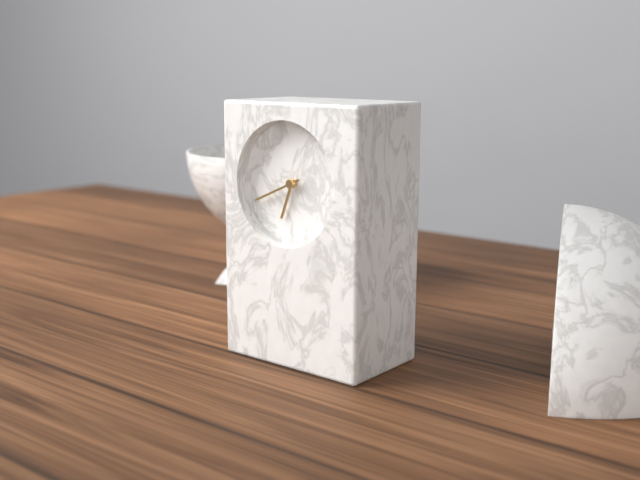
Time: {"hour": 6, "minute": 41}
